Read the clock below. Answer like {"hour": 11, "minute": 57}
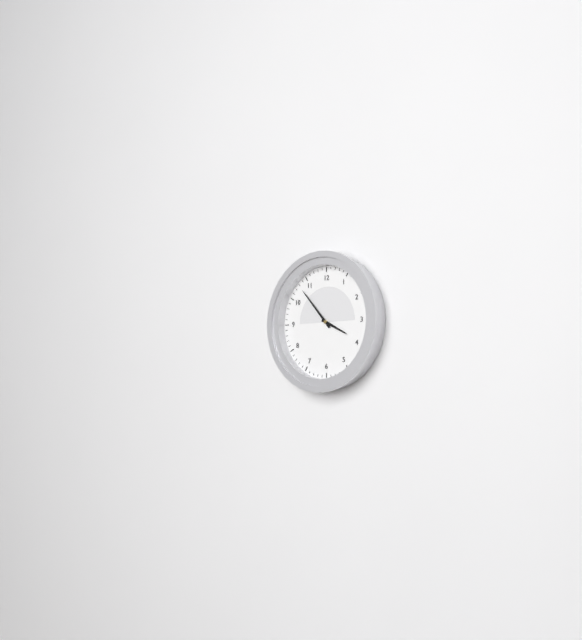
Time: {"hour": 3, "minute": 53}
